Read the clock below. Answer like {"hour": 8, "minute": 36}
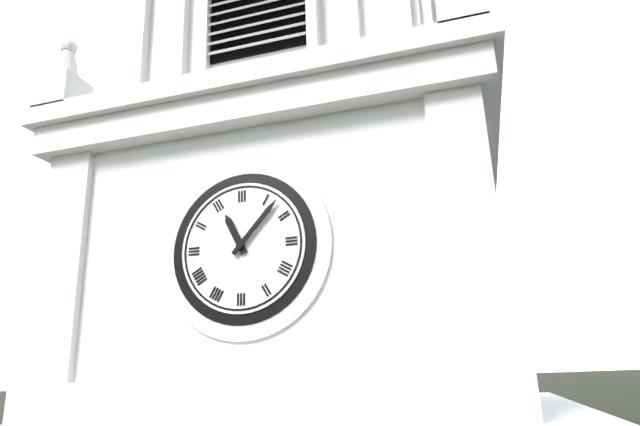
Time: {"hour": 11, "minute": 7}
